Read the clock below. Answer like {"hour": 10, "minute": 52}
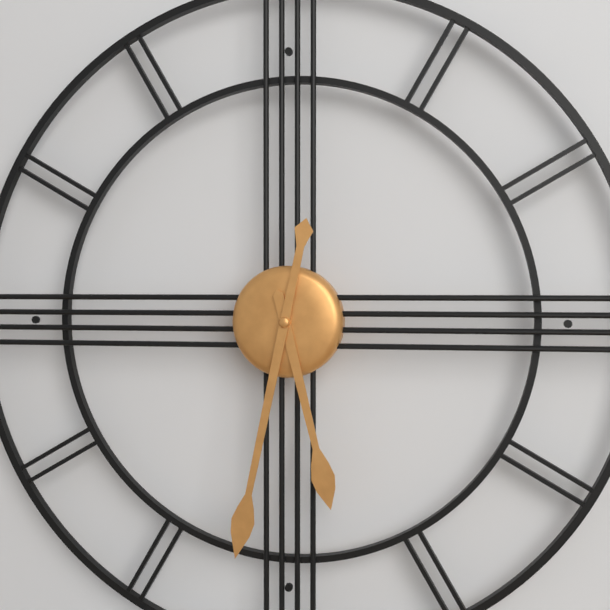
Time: {"hour": 5, "minute": 32}
